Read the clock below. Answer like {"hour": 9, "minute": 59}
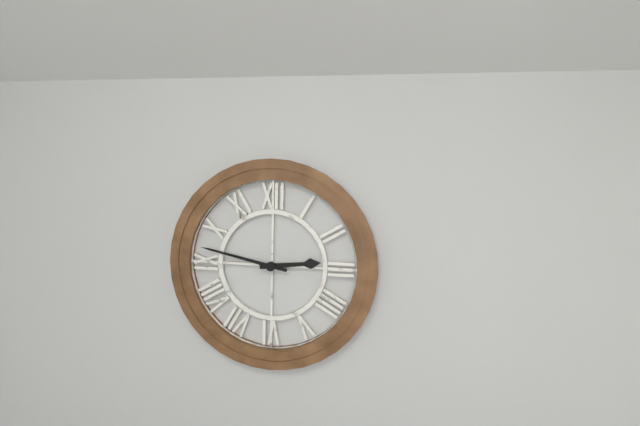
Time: {"hour": 2, "minute": 47}
